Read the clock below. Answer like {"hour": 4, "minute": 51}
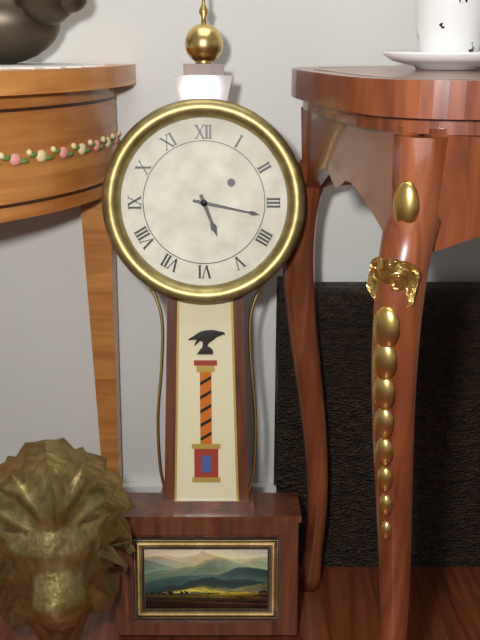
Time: {"hour": 5, "minute": 17}
